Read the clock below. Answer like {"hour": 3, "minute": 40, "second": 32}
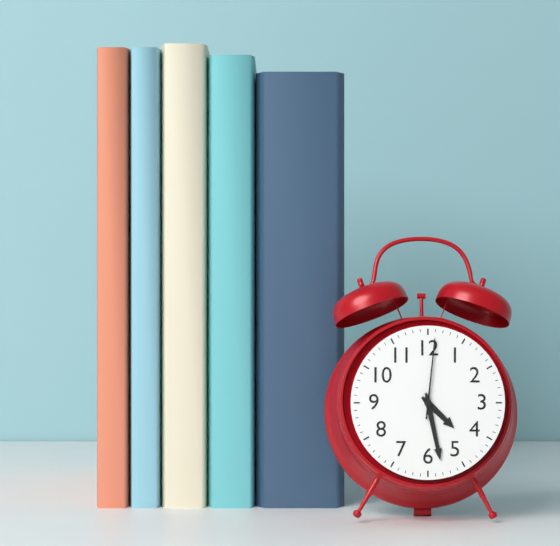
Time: {"hour": 4, "minute": 28, "second": 1}
